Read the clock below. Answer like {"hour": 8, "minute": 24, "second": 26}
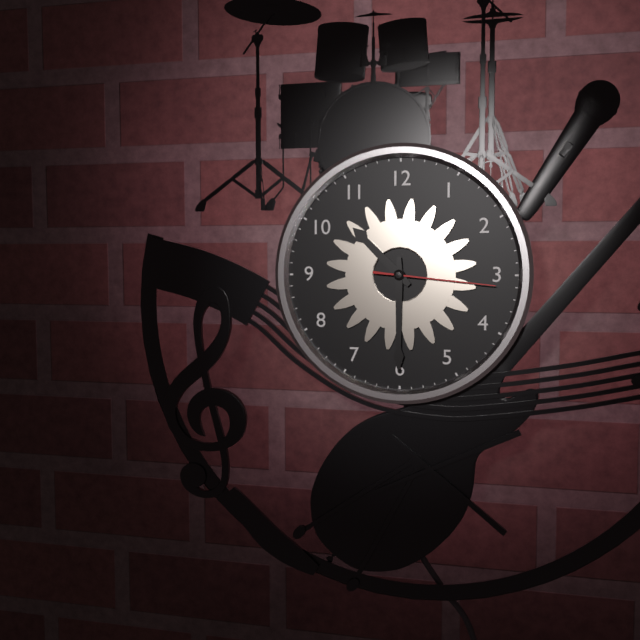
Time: {"hour": 10, "minute": 30, "second": 16}
